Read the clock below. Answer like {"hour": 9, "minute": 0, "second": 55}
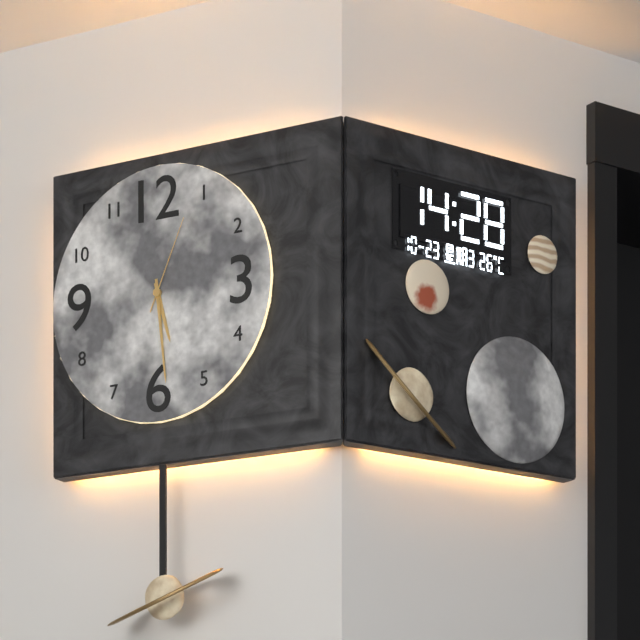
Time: {"hour": 5, "minute": 29, "second": 4}
